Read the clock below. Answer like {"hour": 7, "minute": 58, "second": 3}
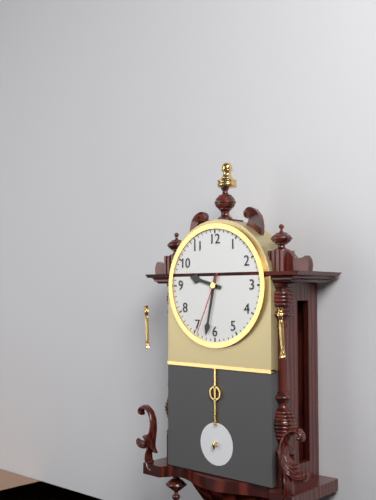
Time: {"hour": 9, "minute": 32, "second": 34}
